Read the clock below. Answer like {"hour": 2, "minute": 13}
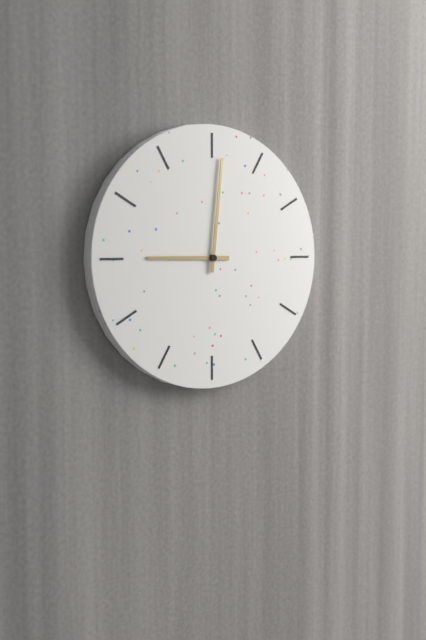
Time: {"hour": 9, "minute": 1}
